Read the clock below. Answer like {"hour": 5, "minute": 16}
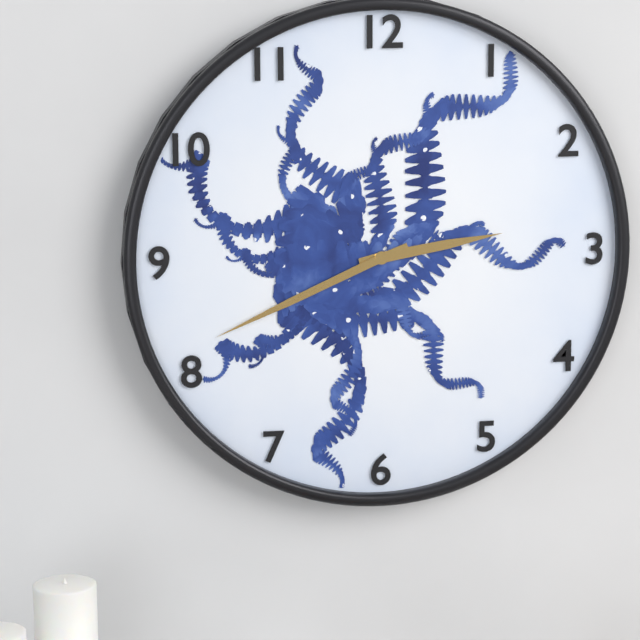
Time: {"hour": 2, "minute": 41}
